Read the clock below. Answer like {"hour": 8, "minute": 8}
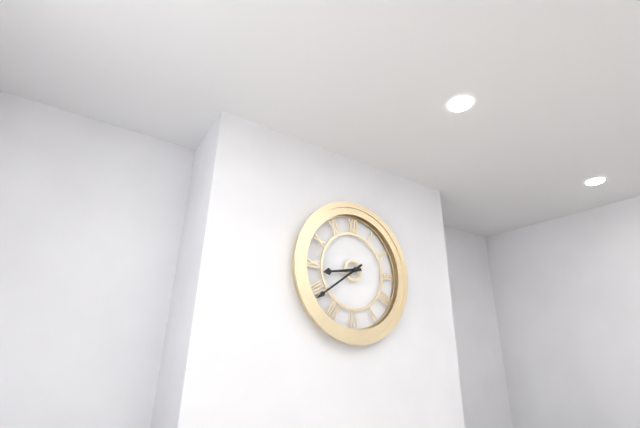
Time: {"hour": 8, "minute": 39}
